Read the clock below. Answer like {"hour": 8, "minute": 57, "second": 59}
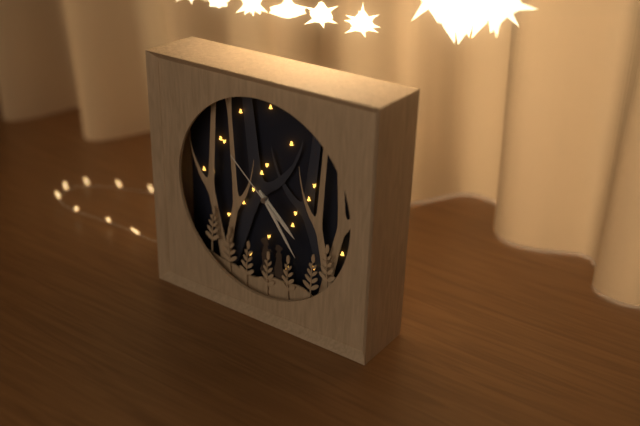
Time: {"hour": 4, "minute": 24, "second": 52}
